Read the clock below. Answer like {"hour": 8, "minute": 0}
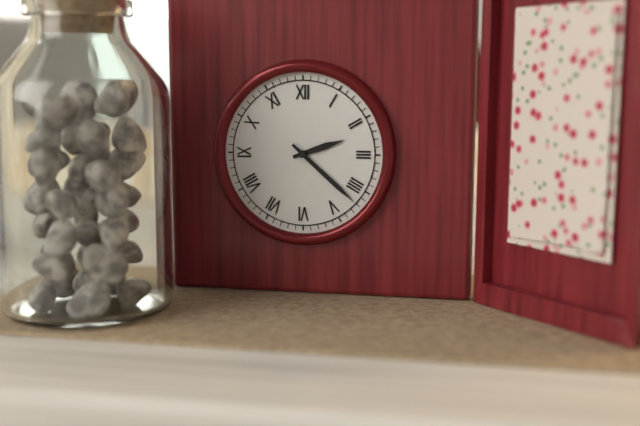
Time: {"hour": 2, "minute": 22}
